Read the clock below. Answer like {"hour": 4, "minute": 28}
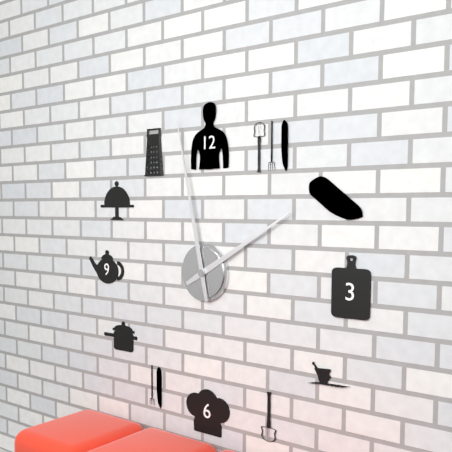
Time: {"hour": 1, "minute": 58}
